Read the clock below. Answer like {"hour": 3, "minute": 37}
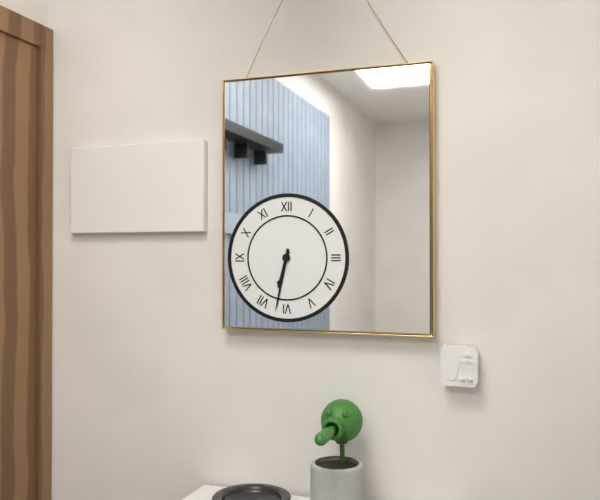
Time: {"hour": 6, "minute": 32}
